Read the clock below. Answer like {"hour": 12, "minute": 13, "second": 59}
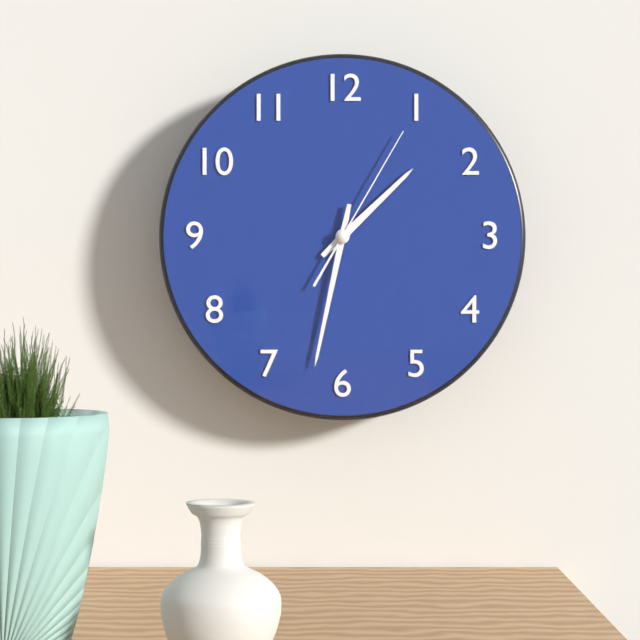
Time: {"hour": 1, "minute": 32, "second": 5}
